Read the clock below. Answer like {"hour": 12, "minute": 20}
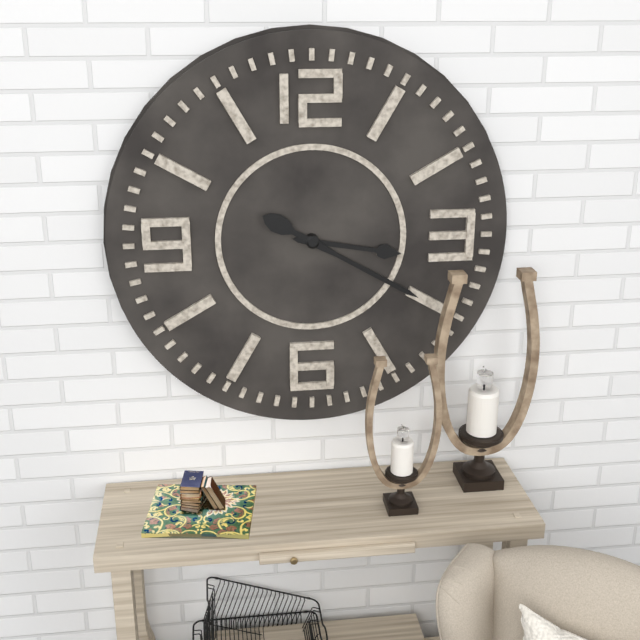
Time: {"hour": 3, "minute": 20}
